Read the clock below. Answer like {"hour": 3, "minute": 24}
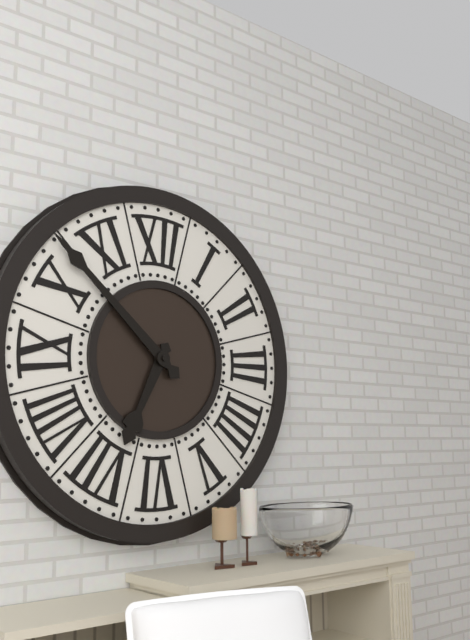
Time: {"hour": 6, "minute": 52}
